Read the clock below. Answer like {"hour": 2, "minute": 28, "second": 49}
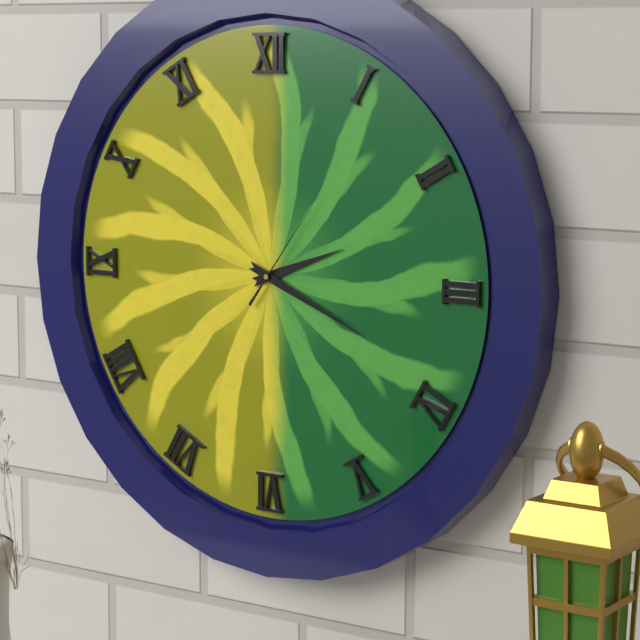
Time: {"hour": 2, "minute": 19, "second": 6}
